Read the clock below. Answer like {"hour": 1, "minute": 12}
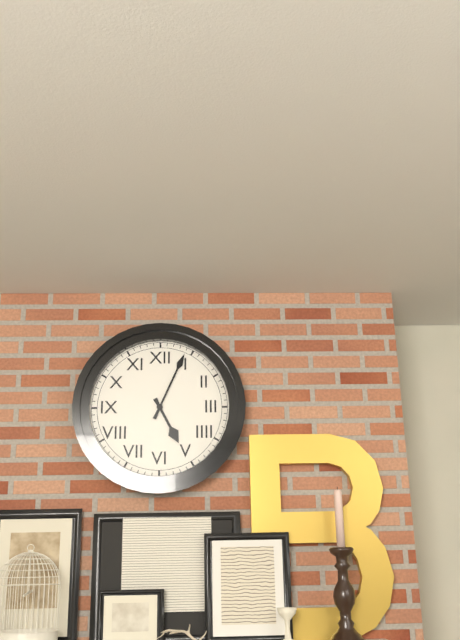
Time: {"hour": 5, "minute": 4}
